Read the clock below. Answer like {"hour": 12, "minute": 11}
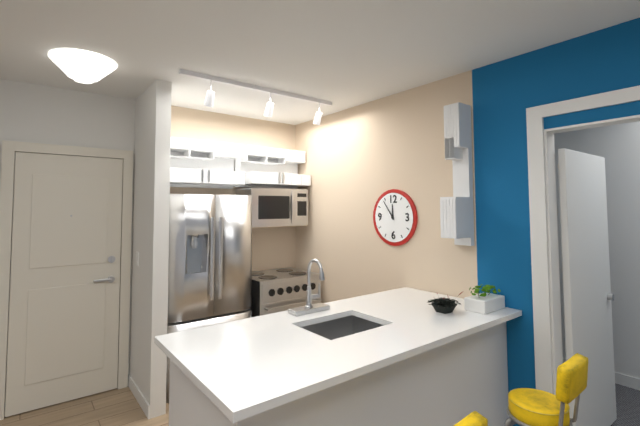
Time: {"hour": 11, "minute": 54}
